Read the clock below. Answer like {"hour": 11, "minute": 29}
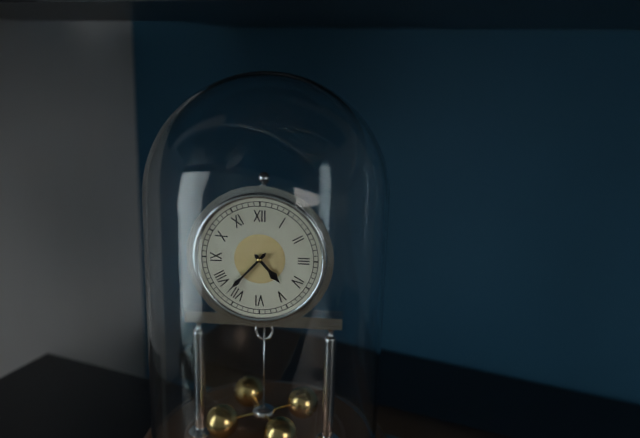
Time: {"hour": 4, "minute": 37}
